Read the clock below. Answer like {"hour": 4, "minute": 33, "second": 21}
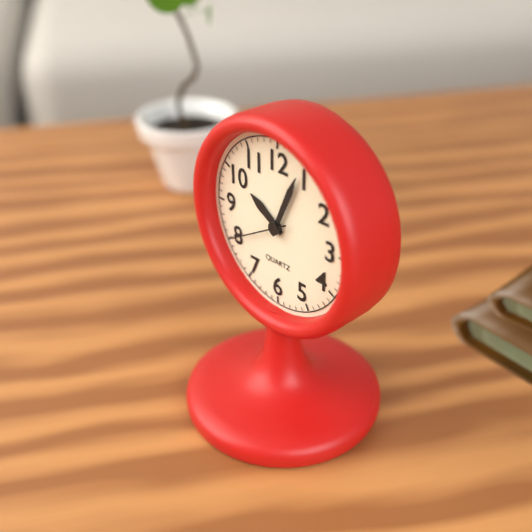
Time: {"hour": 10, "minute": 4, "second": 40}
